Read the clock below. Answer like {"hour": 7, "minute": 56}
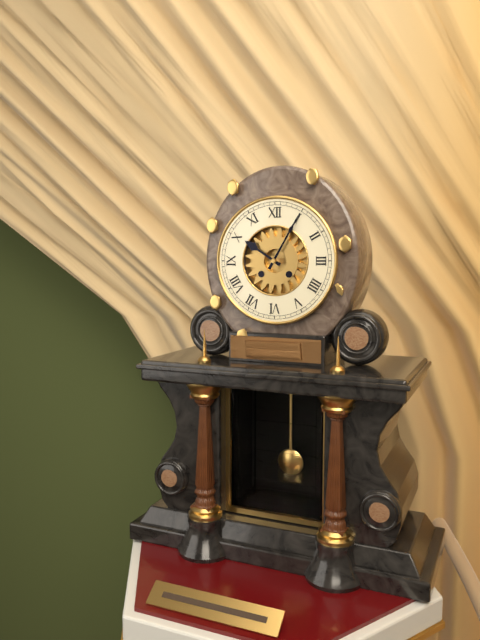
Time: {"hour": 10, "minute": 5}
